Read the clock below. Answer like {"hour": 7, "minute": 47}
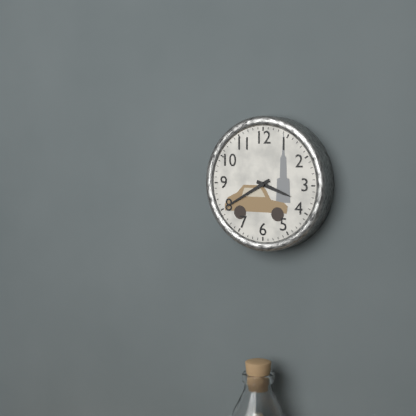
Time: {"hour": 3, "minute": 40}
